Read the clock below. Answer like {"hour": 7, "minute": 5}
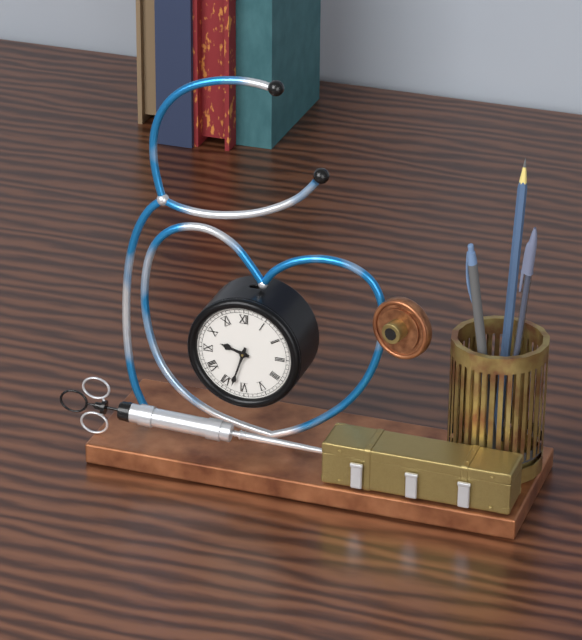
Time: {"hour": 9, "minute": 33}
